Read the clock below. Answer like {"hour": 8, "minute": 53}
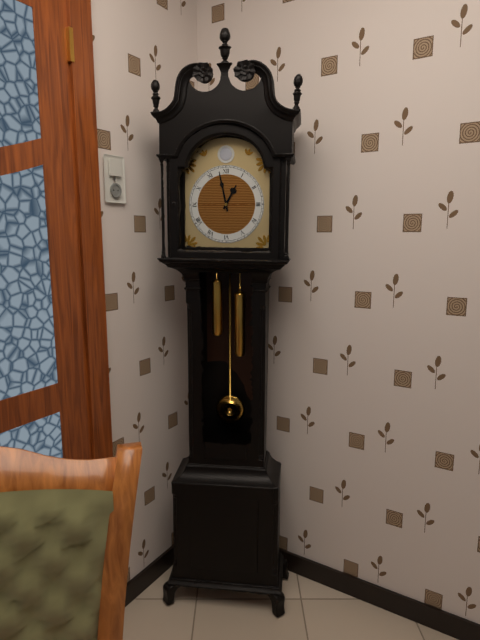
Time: {"hour": 12, "minute": 58}
